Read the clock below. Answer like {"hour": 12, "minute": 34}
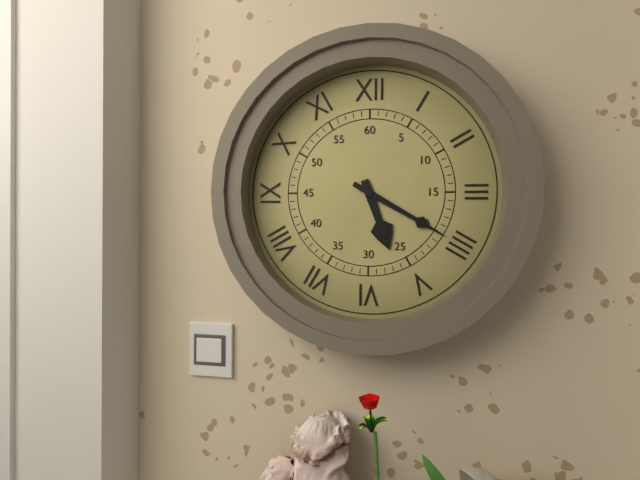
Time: {"hour": 5, "minute": 20}
